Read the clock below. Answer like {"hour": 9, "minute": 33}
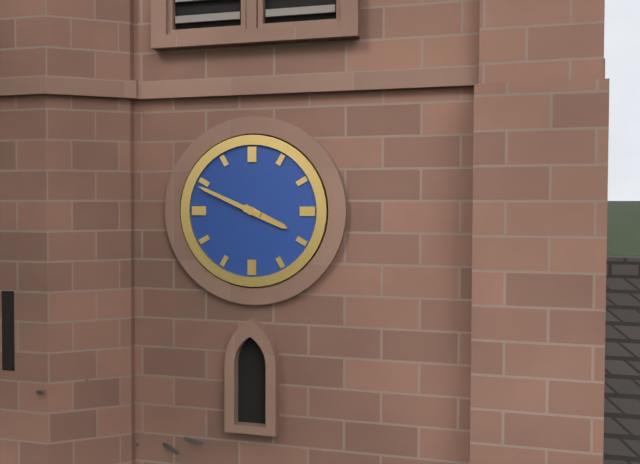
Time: {"hour": 3, "minute": 49}
